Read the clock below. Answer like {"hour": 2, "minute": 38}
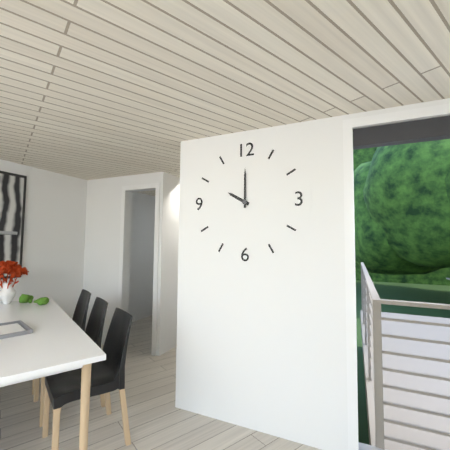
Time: {"hour": 10, "minute": 0}
